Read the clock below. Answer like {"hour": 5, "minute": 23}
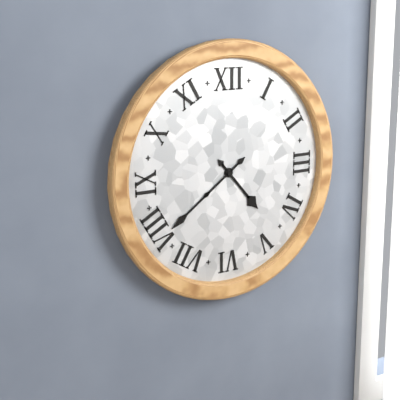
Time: {"hour": 4, "minute": 39}
